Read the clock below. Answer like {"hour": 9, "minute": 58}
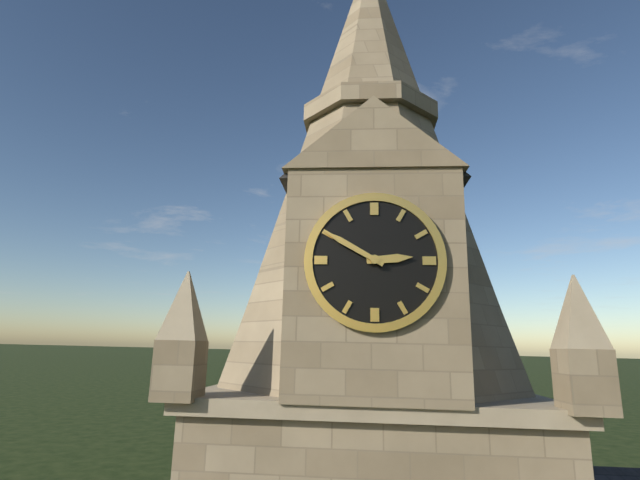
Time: {"hour": 2, "minute": 50}
